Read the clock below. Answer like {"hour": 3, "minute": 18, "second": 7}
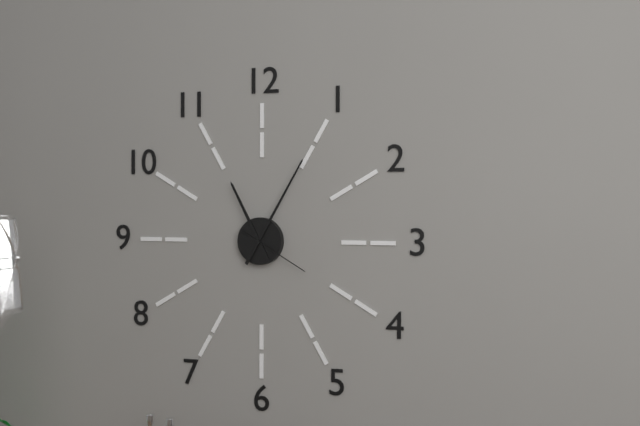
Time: {"hour": 11, "minute": 5, "second": 20}
